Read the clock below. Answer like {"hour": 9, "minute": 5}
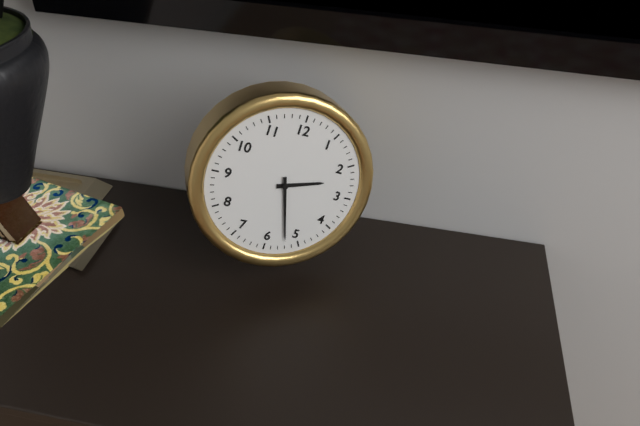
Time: {"hour": 2, "minute": 27}
